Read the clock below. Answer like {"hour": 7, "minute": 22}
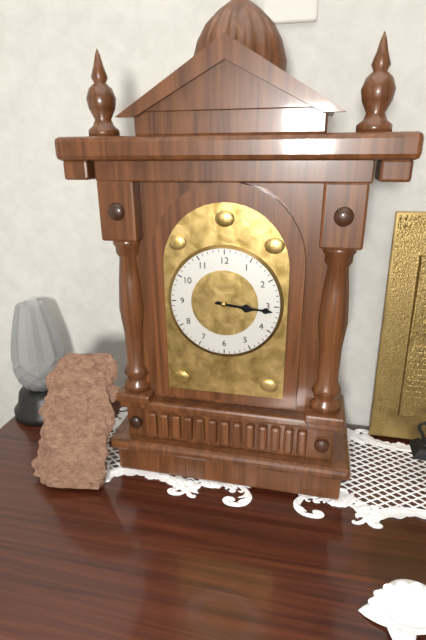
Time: {"hour": 3, "minute": 16}
